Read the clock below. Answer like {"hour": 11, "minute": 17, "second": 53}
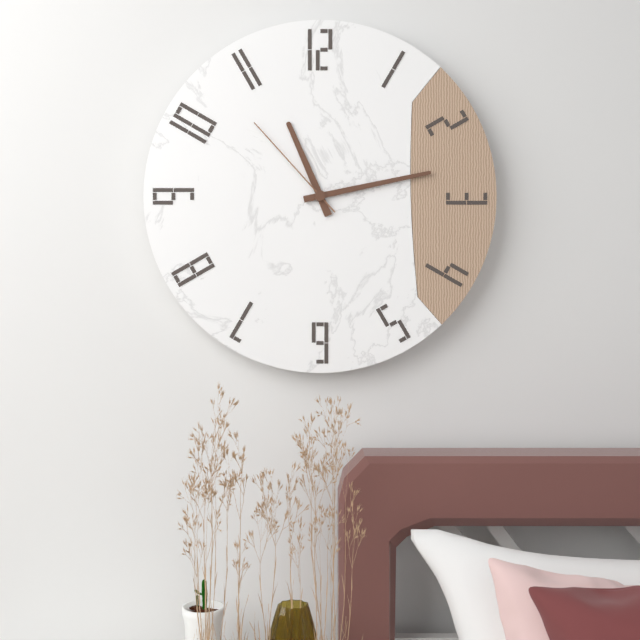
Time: {"hour": 11, "minute": 13, "second": 53}
